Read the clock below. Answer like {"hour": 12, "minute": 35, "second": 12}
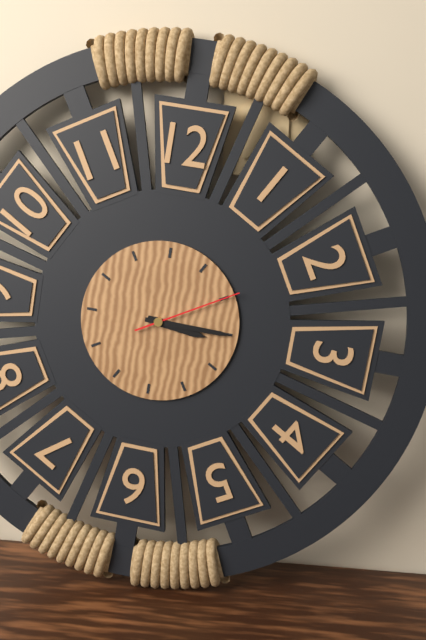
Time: {"hour": 3, "minute": 15, "second": 10}
